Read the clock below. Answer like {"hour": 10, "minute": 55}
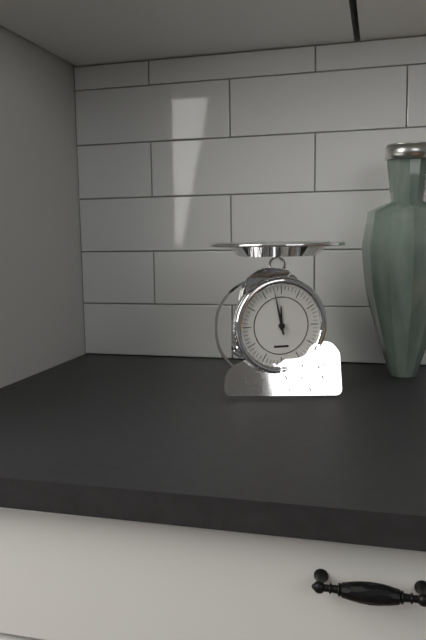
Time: {"hour": 11, "minute": 58}
